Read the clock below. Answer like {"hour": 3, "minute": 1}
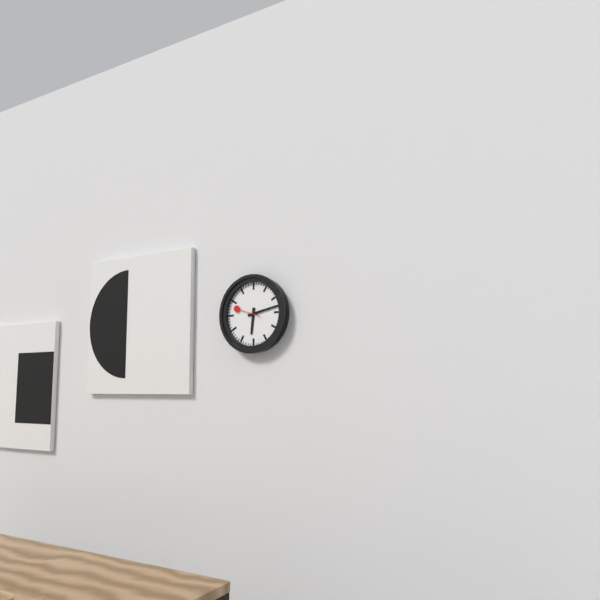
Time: {"hour": 6, "minute": 13}
